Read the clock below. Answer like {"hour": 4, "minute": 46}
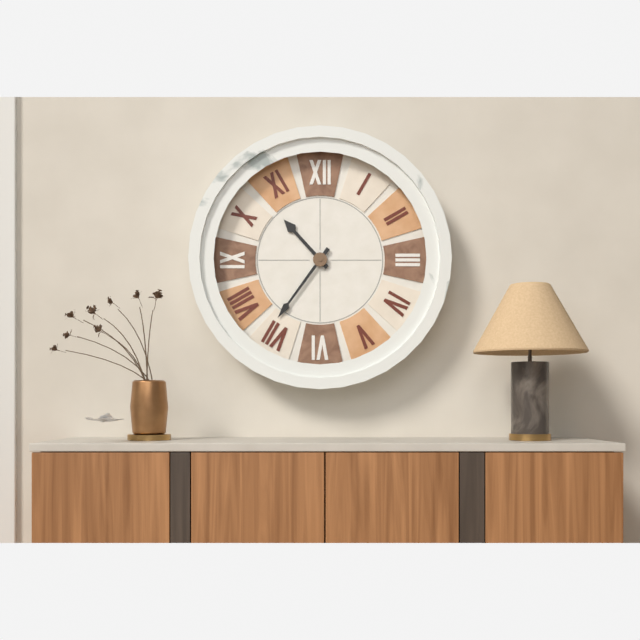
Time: {"hour": 10, "minute": 36}
